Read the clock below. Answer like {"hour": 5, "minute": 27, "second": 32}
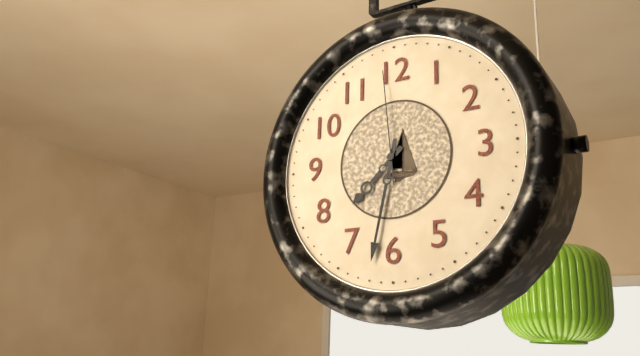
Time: {"hour": 7, "minute": 32, "second": 59}
